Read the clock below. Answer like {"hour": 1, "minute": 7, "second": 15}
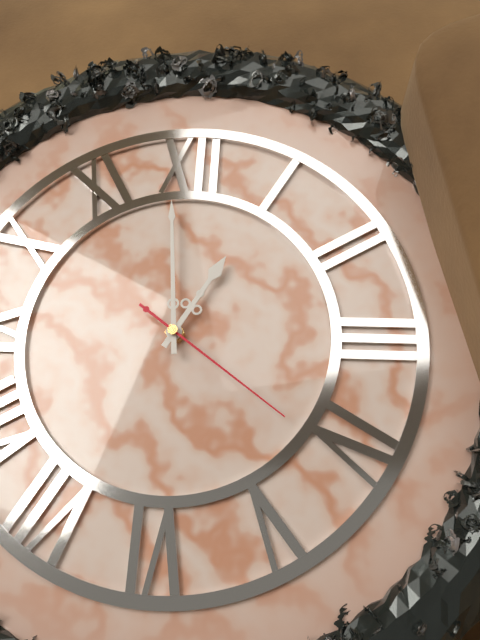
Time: {"hour": 12, "minute": 59, "second": 21}
